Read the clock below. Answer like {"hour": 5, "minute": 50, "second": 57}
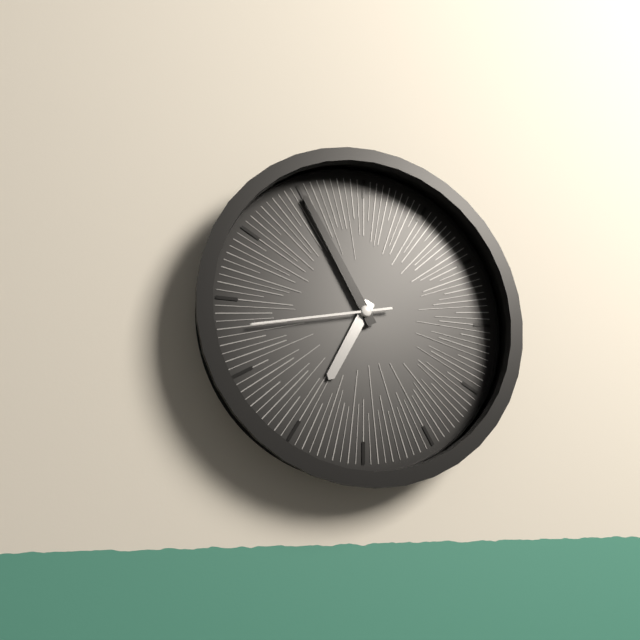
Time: {"hour": 6, "minute": 55, "second": 43}
